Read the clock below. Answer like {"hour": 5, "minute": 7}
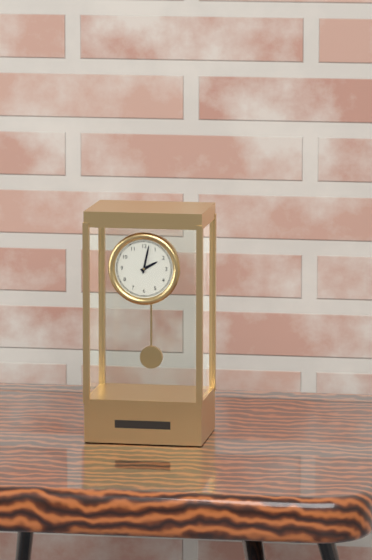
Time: {"hour": 2, "minute": 2}
